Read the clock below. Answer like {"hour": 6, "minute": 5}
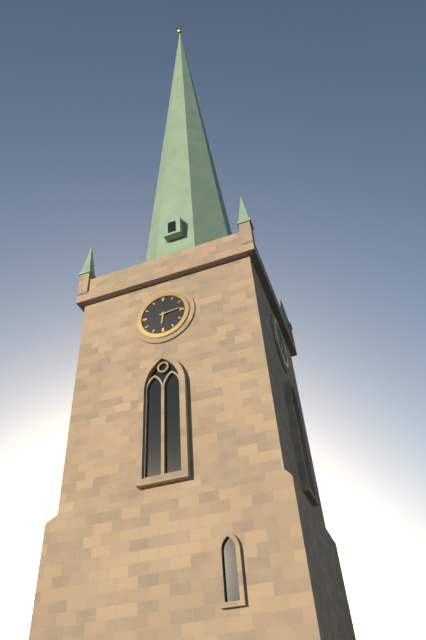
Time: {"hour": 6, "minute": 14}
